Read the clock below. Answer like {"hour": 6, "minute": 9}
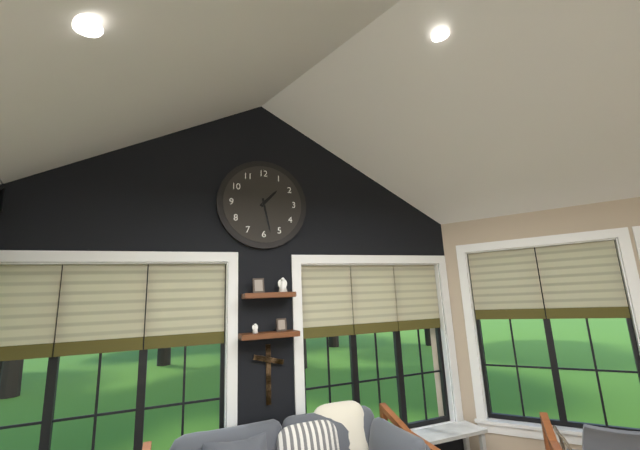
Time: {"hour": 1, "minute": 28}
